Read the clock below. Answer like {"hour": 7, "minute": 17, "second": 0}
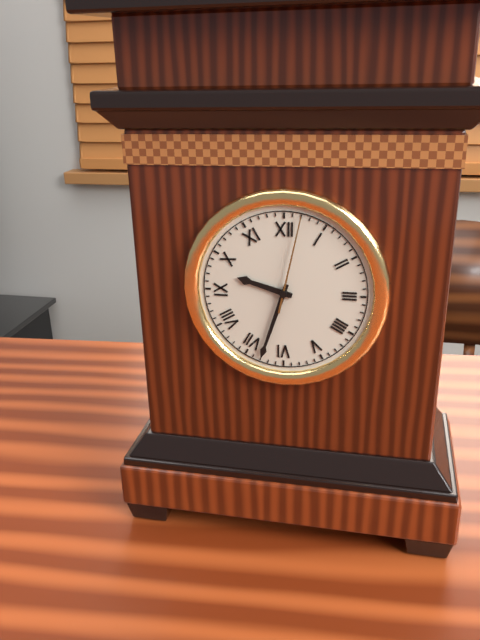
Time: {"hour": 9, "minute": 33, "second": 2}
